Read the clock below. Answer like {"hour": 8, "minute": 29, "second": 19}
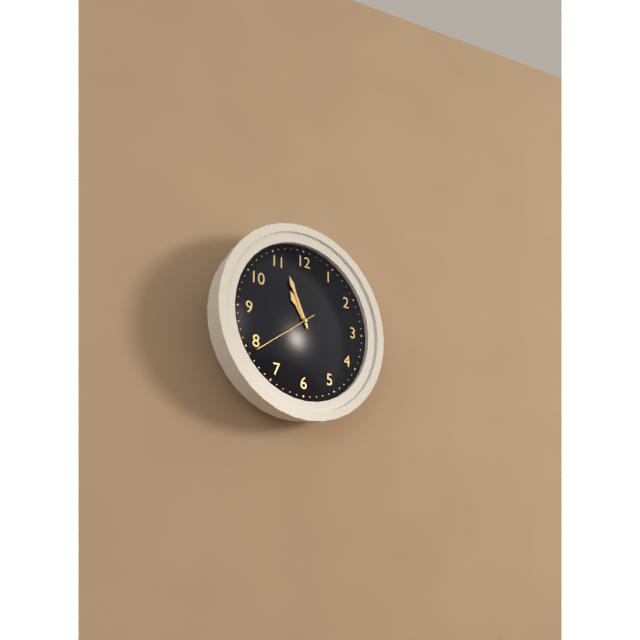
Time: {"hour": 10, "minute": 56, "second": 39}
